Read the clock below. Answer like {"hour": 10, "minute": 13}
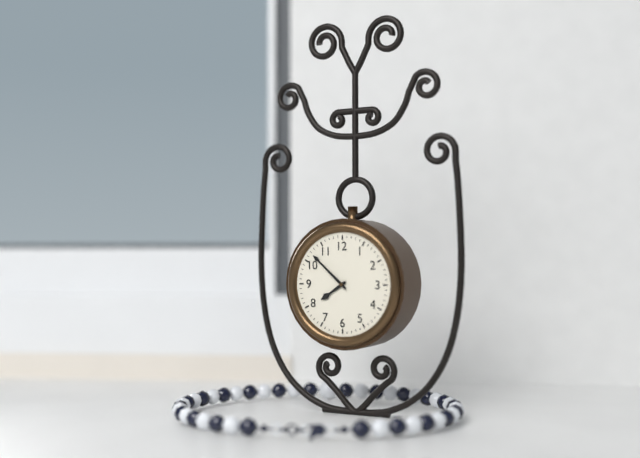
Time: {"hour": 7, "minute": 52}
